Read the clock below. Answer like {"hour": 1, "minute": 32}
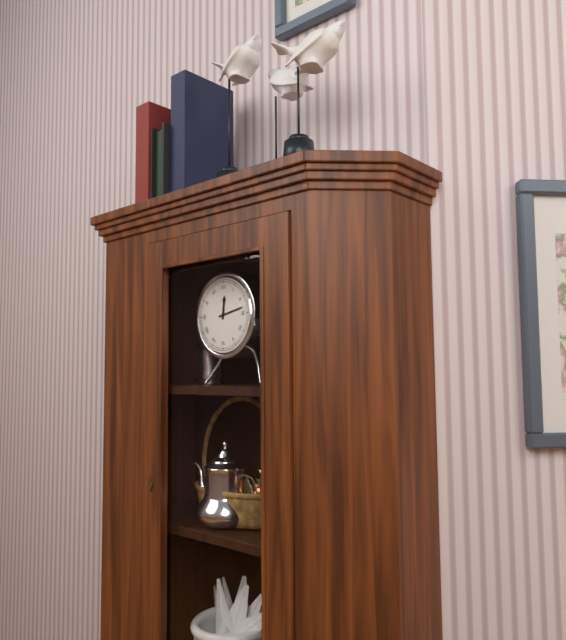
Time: {"hour": 12, "minute": 13}
